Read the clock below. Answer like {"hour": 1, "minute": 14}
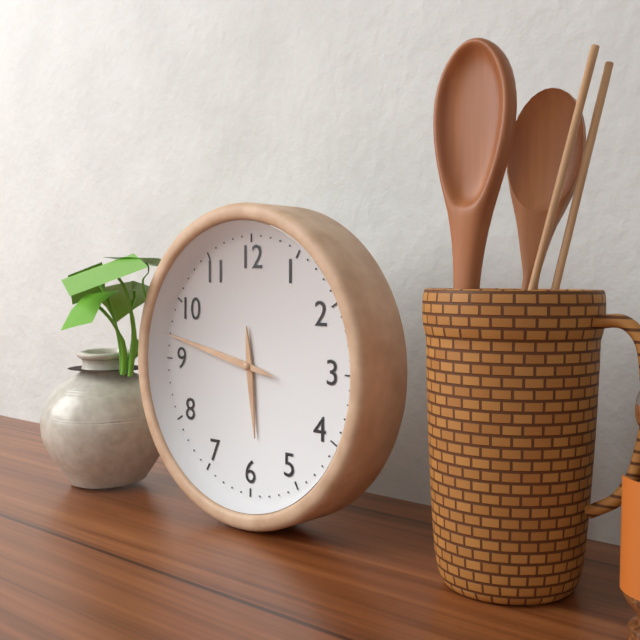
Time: {"hour": 5, "minute": 47}
